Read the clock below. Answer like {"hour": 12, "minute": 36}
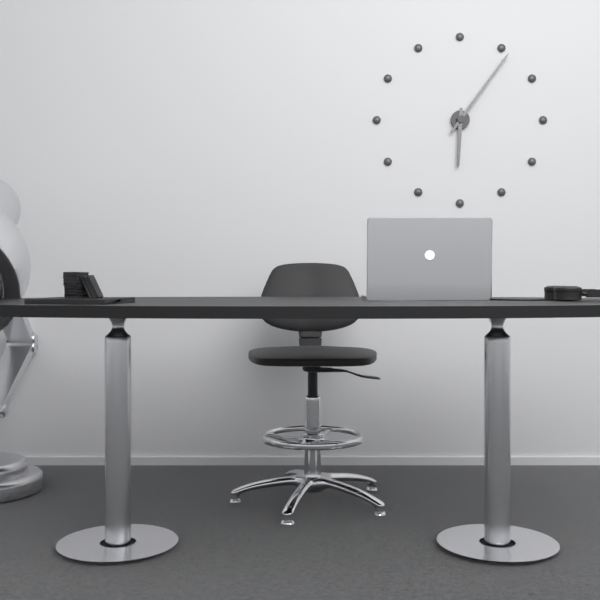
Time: {"hour": 6, "minute": 6}
